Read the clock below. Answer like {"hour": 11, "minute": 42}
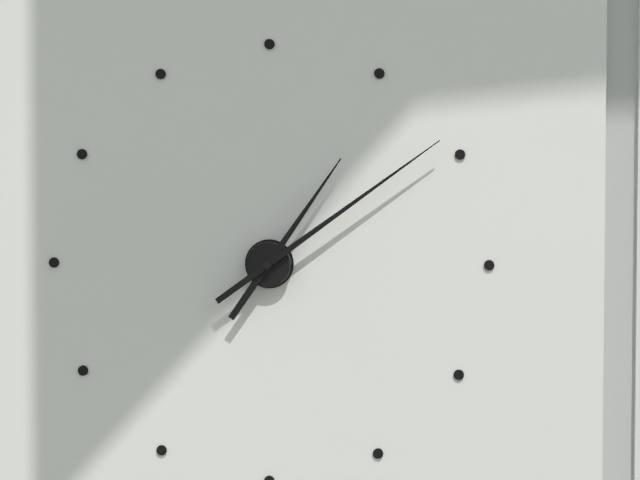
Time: {"hour": 1, "minute": 9}
